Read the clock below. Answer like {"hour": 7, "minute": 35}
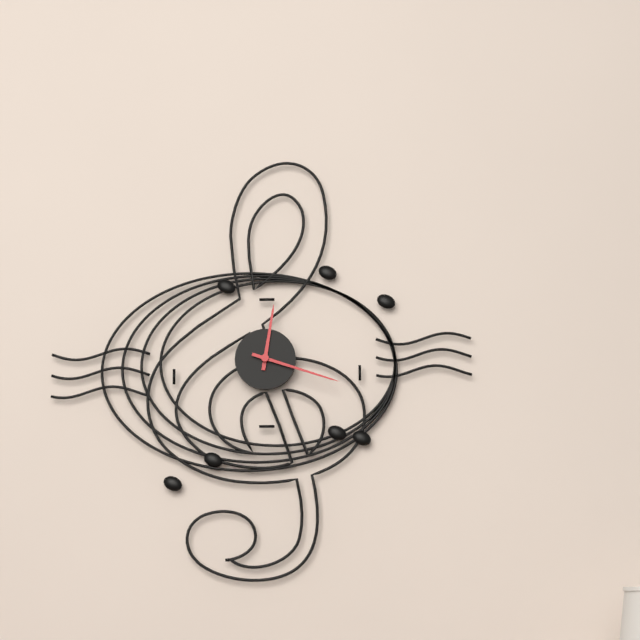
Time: {"hour": 12, "minute": 18}
